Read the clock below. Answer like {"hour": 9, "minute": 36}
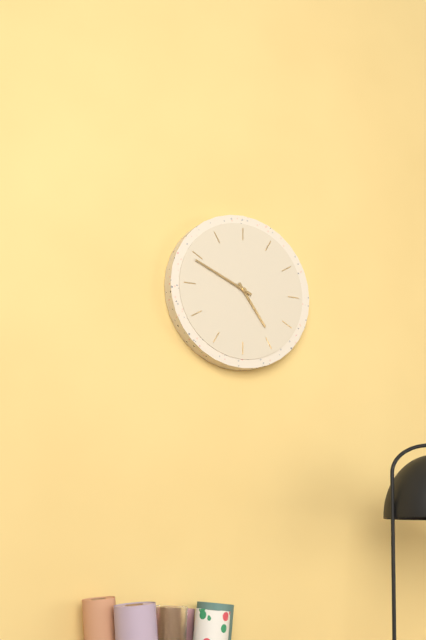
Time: {"hour": 4, "minute": 49}
